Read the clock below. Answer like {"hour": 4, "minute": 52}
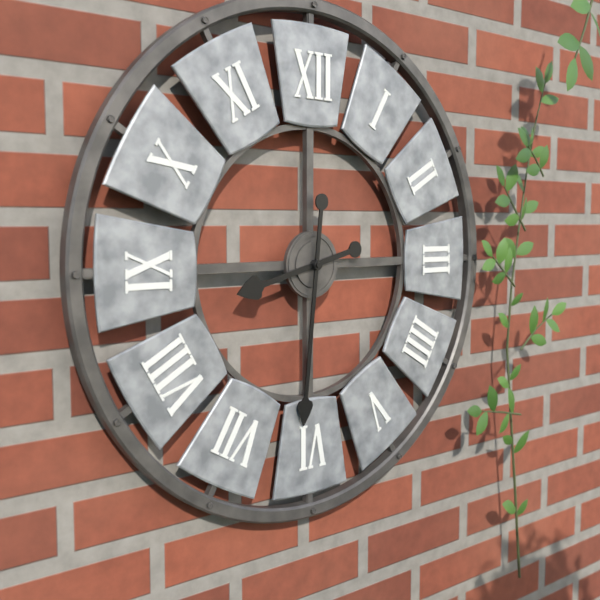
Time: {"hour": 8, "minute": 31}
